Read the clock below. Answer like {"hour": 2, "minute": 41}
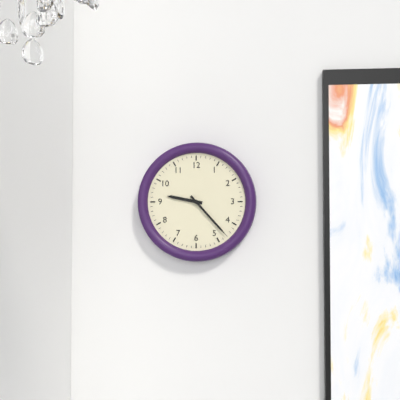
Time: {"hour": 9, "minute": 23}
